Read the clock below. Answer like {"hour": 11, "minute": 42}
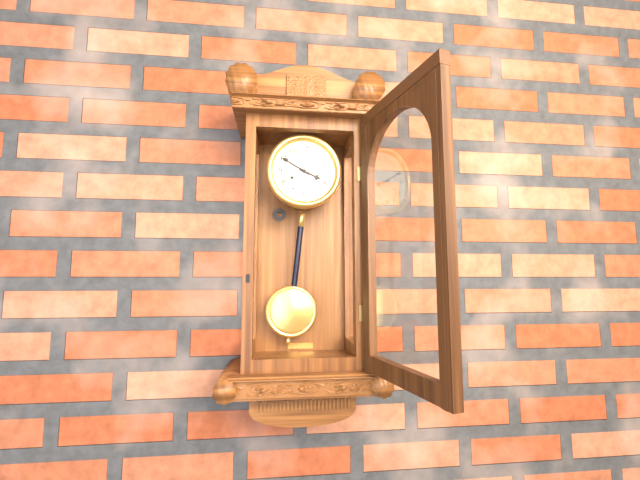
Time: {"hour": 3, "minute": 50}
